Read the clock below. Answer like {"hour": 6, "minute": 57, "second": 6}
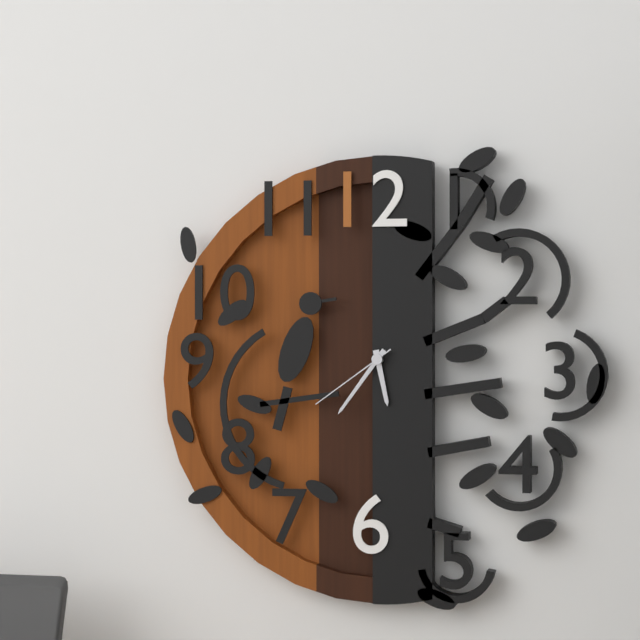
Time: {"hour": 5, "minute": 36, "second": 39}
